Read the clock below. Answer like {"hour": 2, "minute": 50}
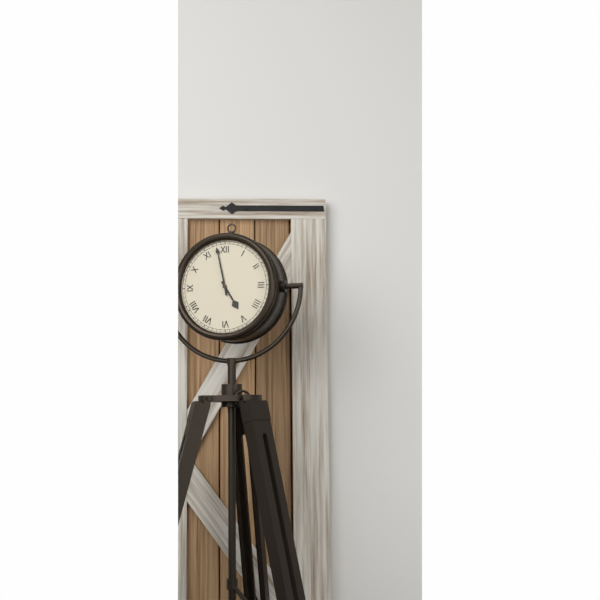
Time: {"hour": 4, "minute": 58}
